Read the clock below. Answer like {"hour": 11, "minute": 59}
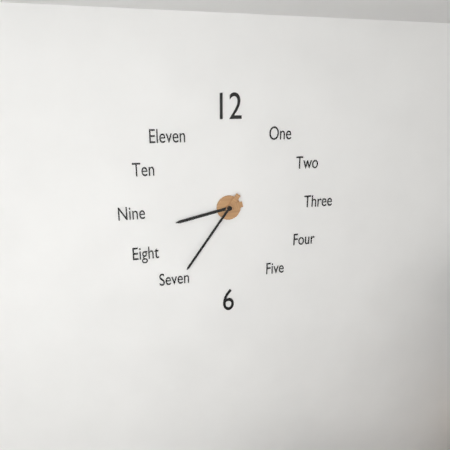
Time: {"hour": 8, "minute": 36}
